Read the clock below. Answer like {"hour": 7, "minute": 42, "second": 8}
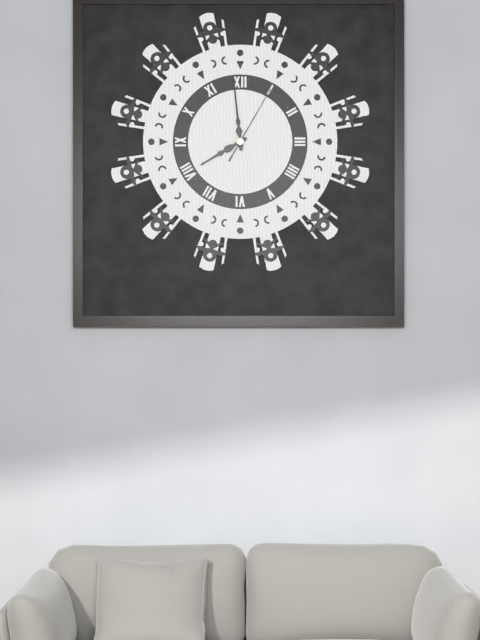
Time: {"hour": 7, "minute": 59, "second": 5}
